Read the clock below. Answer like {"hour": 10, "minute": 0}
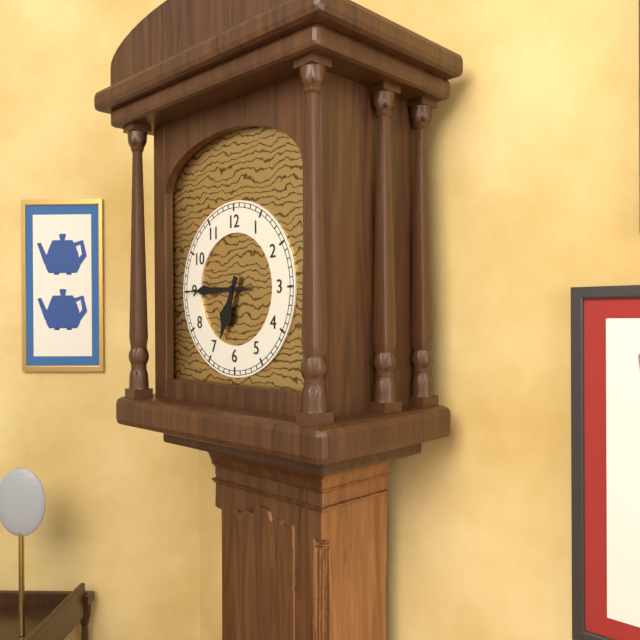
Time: {"hour": 6, "minute": 45}
